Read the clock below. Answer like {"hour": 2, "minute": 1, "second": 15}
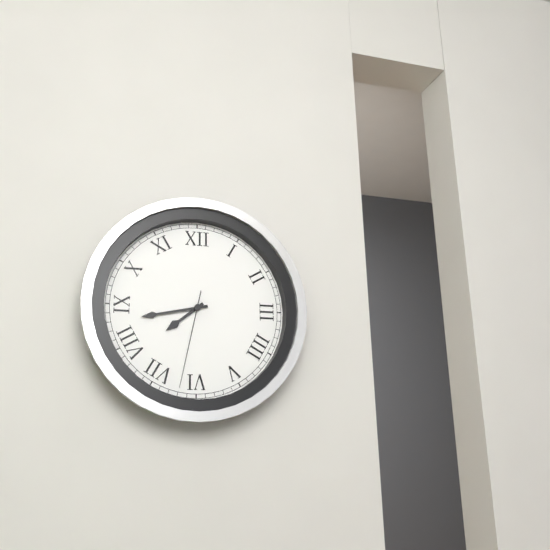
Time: {"hour": 7, "minute": 43, "second": 32}
